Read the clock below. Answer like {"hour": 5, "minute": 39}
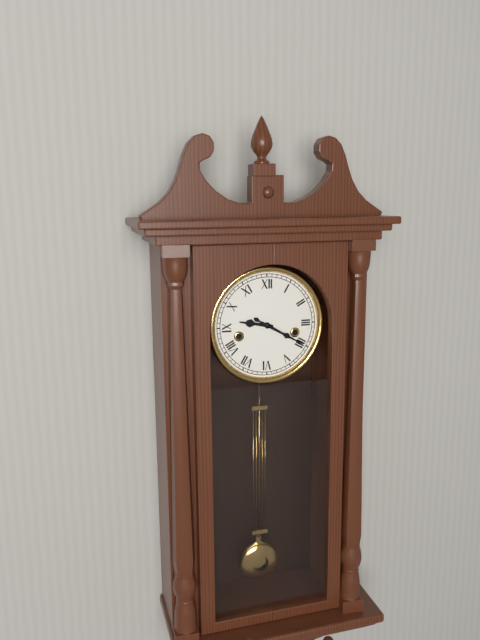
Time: {"hour": 9, "minute": 20}
